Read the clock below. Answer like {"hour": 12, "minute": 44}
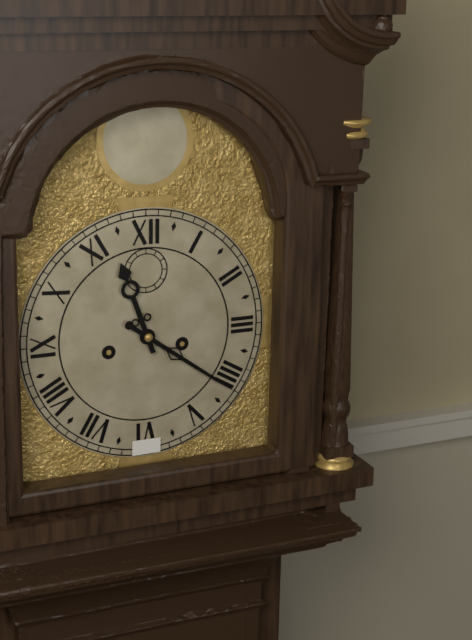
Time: {"hour": 11, "minute": 21}
